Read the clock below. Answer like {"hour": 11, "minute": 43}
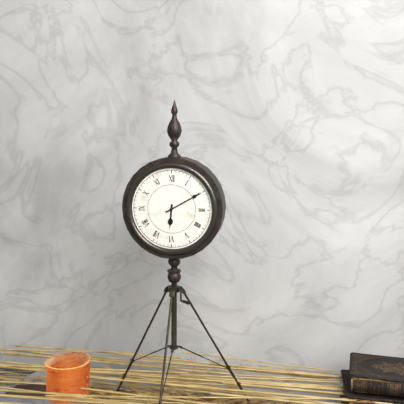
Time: {"hour": 6, "minute": 10}
